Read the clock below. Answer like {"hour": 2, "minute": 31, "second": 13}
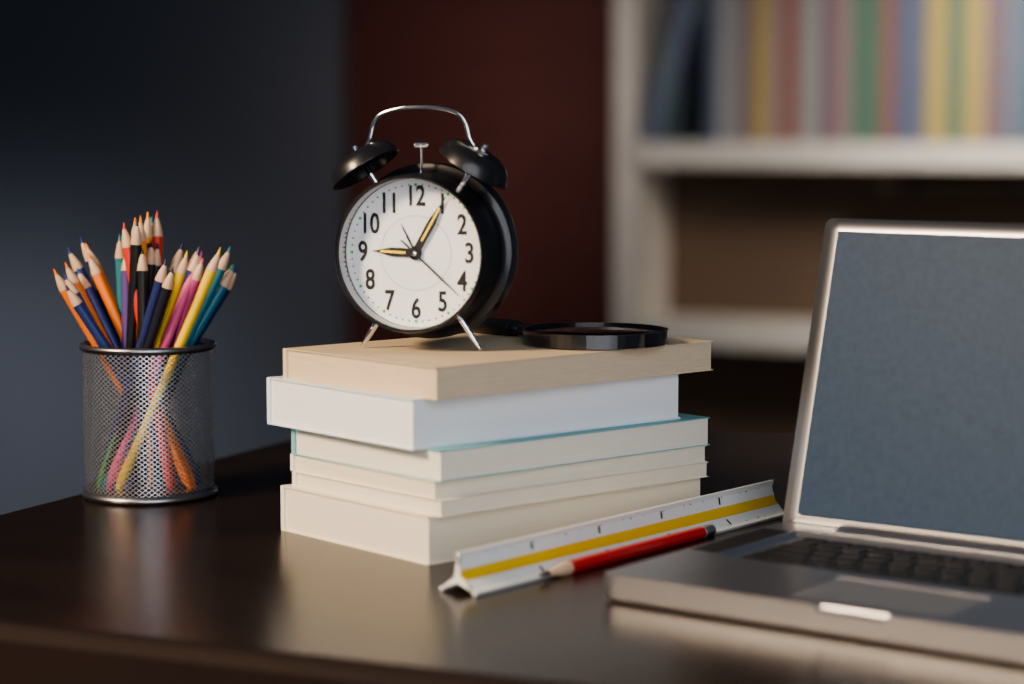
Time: {"hour": 9, "minute": 5, "second": 22}
